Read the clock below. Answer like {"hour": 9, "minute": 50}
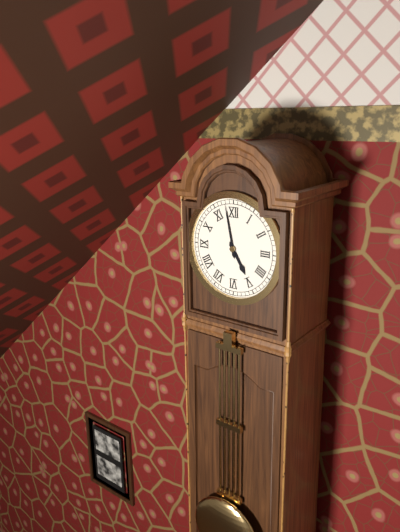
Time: {"hour": 4, "minute": 58}
